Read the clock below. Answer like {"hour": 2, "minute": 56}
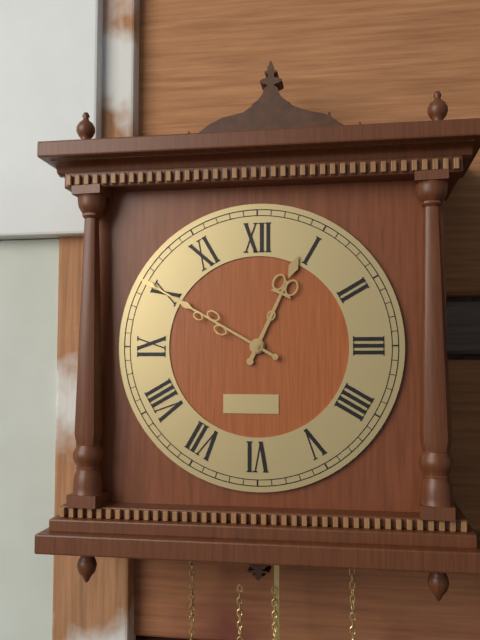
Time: {"hour": 12, "minute": 50}
